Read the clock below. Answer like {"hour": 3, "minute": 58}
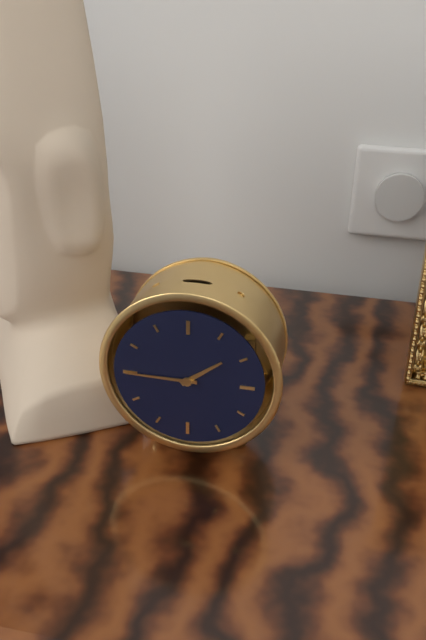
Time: {"hour": 1, "minute": 45}
